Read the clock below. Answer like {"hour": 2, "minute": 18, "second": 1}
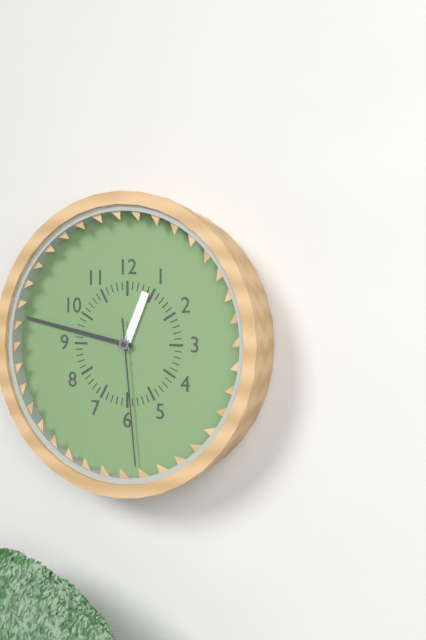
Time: {"hour": 12, "minute": 47, "second": 29}
